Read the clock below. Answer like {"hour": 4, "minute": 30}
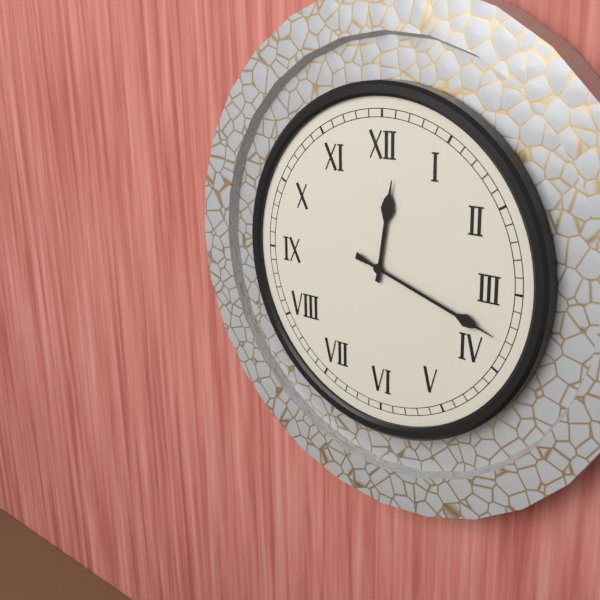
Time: {"hour": 12, "minute": 18}
